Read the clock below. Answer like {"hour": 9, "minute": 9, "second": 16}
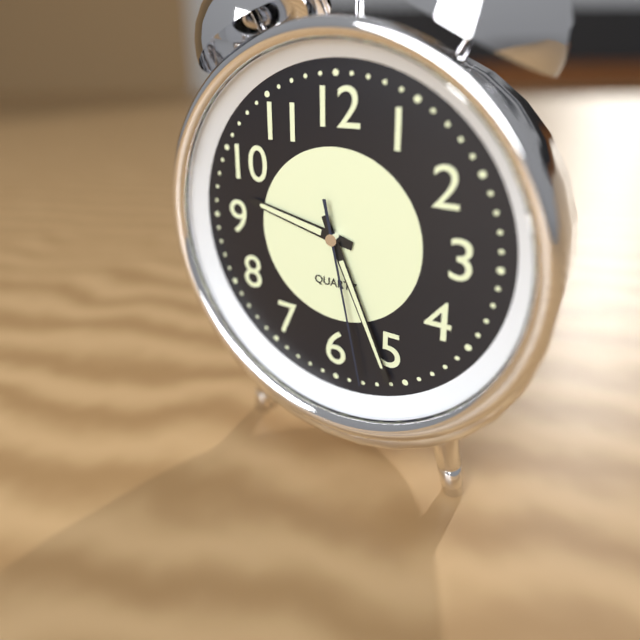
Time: {"hour": 9, "minute": 26, "second": 28}
